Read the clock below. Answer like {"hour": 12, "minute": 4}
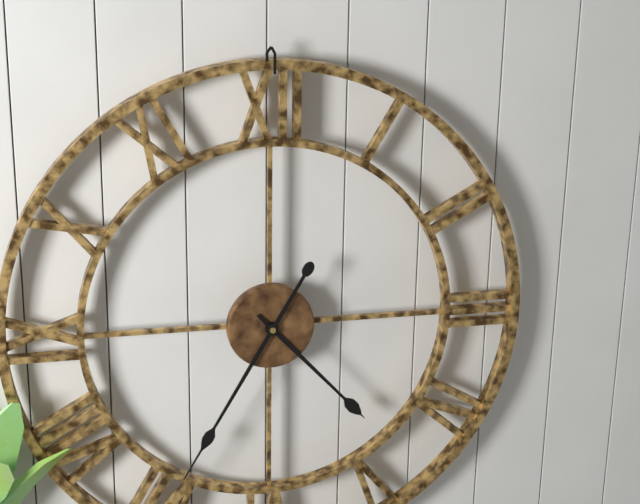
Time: {"hour": 4, "minute": 35}
